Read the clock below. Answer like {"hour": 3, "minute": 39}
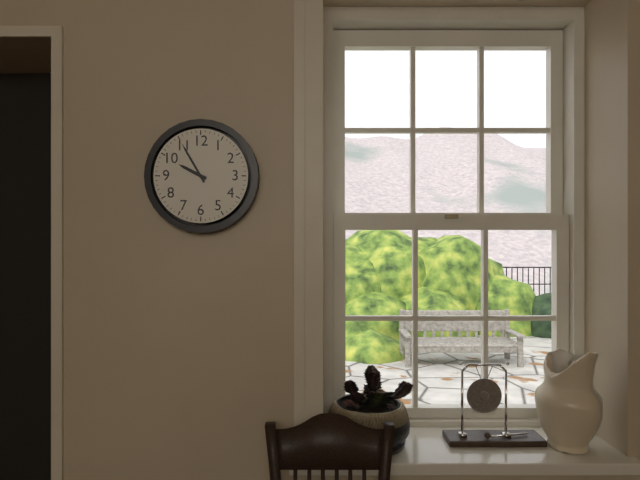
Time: {"hour": 9, "minute": 55}
